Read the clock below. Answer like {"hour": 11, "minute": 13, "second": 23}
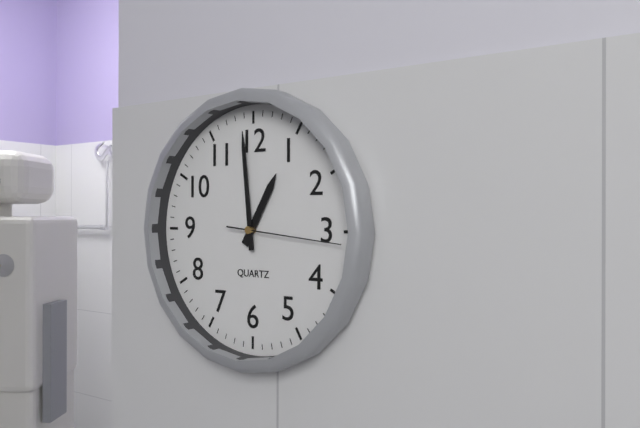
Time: {"hour": 12, "minute": 59, "second": 16}
